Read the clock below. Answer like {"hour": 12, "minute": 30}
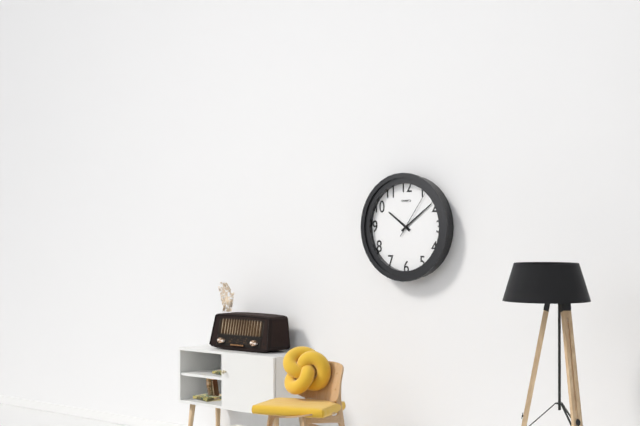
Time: {"hour": 10, "minute": 9}
